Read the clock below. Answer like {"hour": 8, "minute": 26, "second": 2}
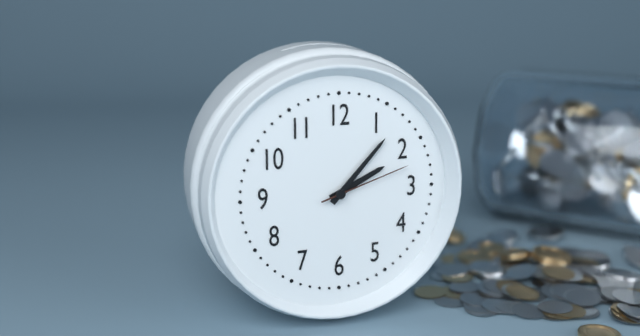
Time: {"hour": 2, "minute": 7, "second": 12}
